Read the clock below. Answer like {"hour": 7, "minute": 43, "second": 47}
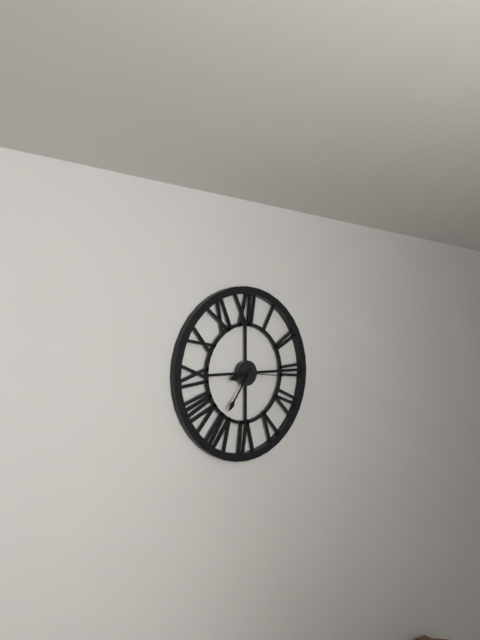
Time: {"hour": 8, "minute": 36, "second": 16}
